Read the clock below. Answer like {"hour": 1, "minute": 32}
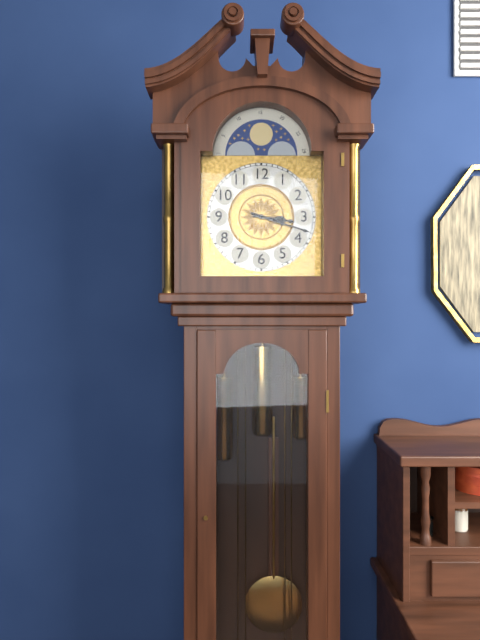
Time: {"hour": 3, "minute": 18}
